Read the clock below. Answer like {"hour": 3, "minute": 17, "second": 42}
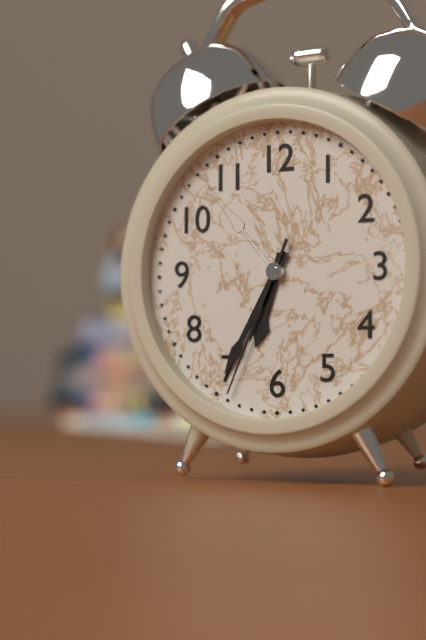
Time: {"hour": 6, "minute": 35, "second": 34}
